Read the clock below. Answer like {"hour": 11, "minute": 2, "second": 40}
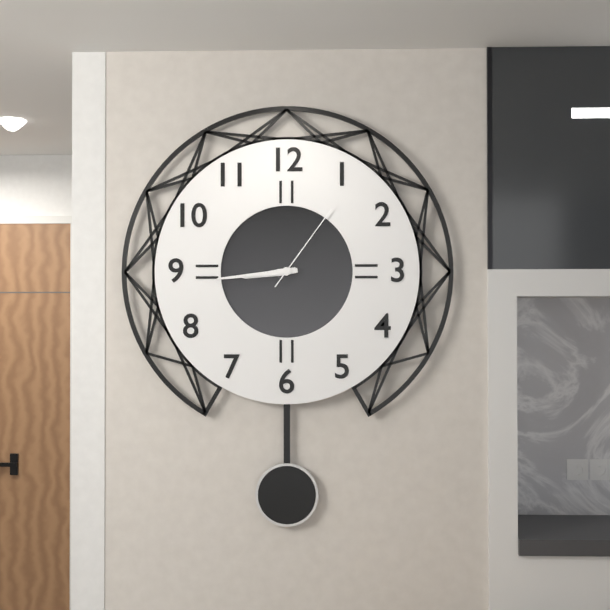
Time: {"hour": 8, "minute": 44, "second": 6}
